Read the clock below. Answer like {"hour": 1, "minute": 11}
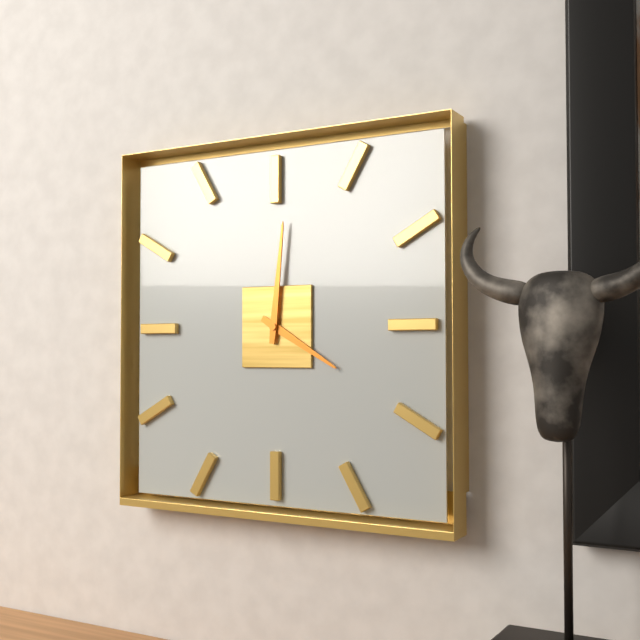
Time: {"hour": 4, "minute": 1}
